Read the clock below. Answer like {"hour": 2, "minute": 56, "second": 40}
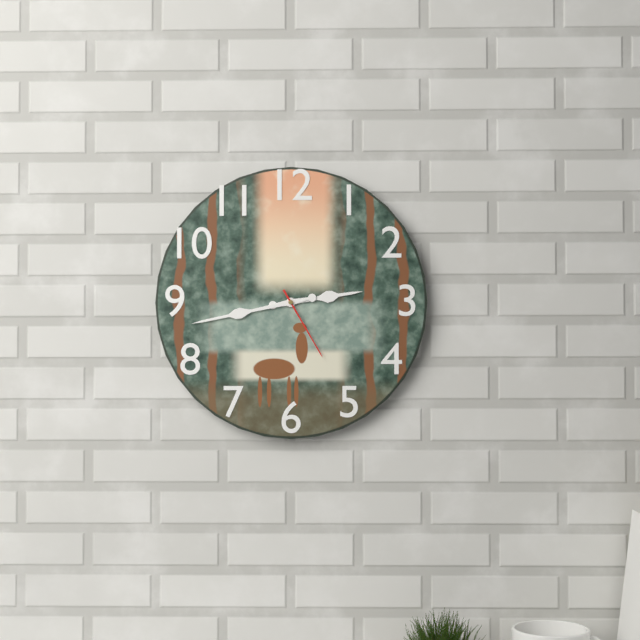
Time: {"hour": 2, "minute": 43, "second": 25}
